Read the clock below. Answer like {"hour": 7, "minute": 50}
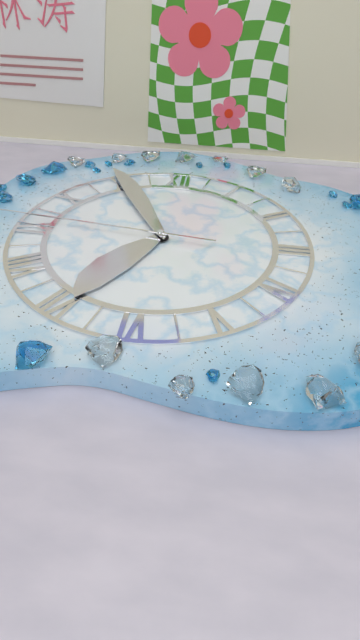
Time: {"hour": 6, "minute": 55}
